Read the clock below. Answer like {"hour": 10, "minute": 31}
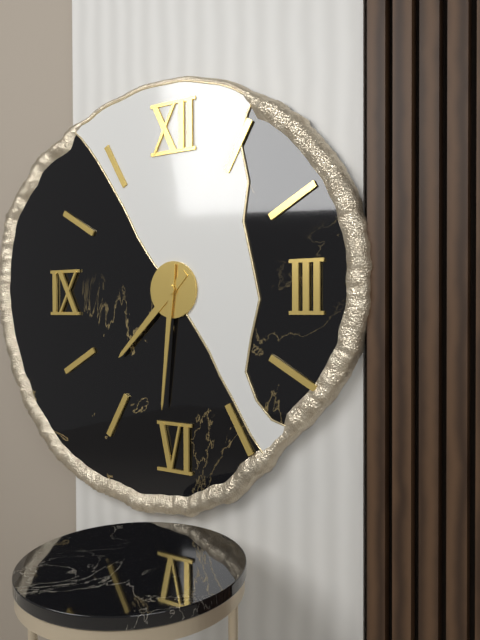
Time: {"hour": 7, "minute": 31}
